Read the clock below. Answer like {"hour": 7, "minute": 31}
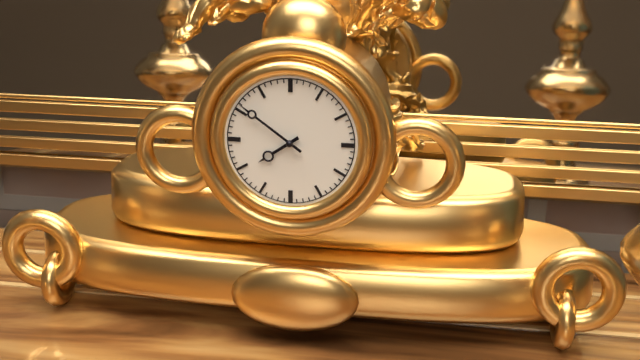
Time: {"hour": 7, "minute": 51}
